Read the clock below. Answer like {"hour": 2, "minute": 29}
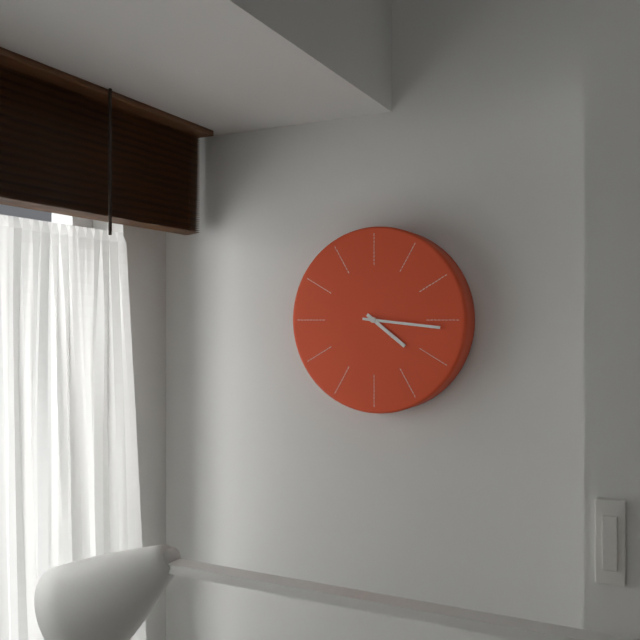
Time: {"hour": 4, "minute": 16}
